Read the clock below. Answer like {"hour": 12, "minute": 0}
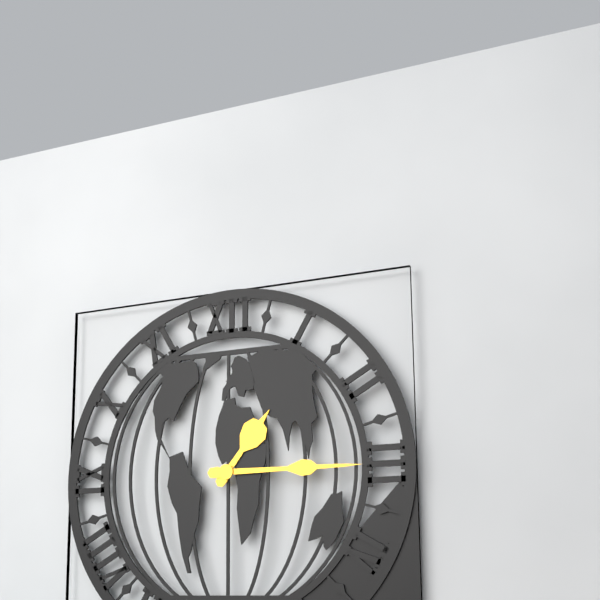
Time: {"hour": 1, "minute": 15}
